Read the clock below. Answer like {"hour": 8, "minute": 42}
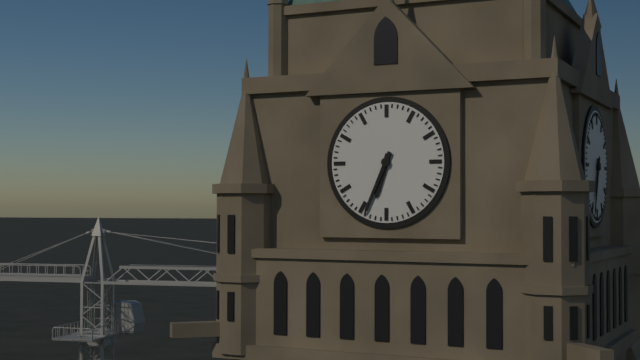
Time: {"hour": 6, "minute": 34}
